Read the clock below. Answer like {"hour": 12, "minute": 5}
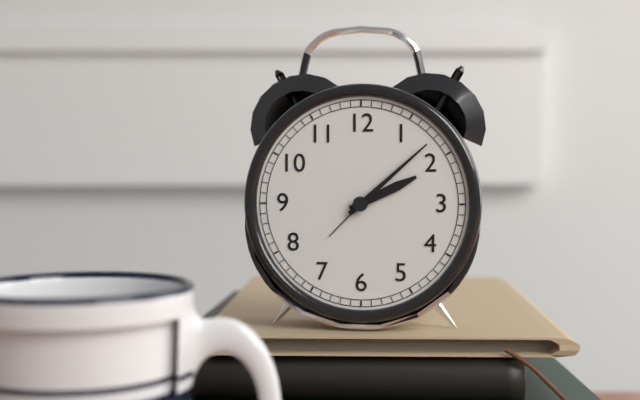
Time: {"hour": 2, "minute": 8}
